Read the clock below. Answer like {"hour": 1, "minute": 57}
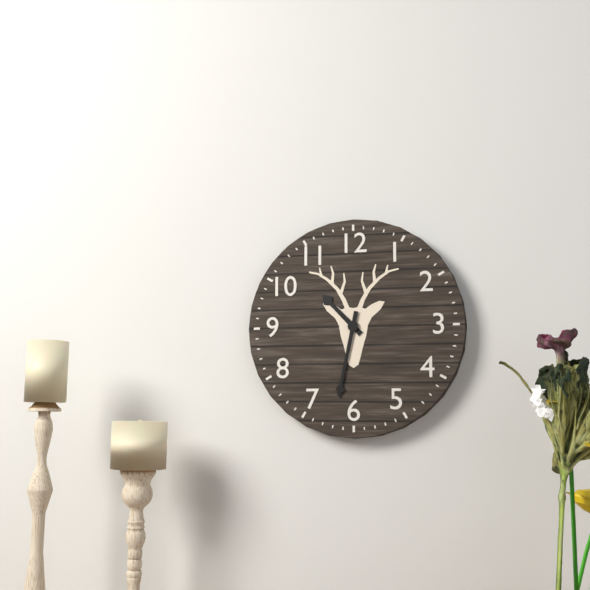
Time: {"hour": 10, "minute": 32}
